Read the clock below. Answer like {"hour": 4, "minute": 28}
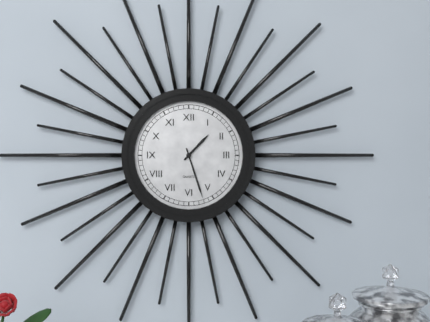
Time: {"hour": 1, "minute": 27}
